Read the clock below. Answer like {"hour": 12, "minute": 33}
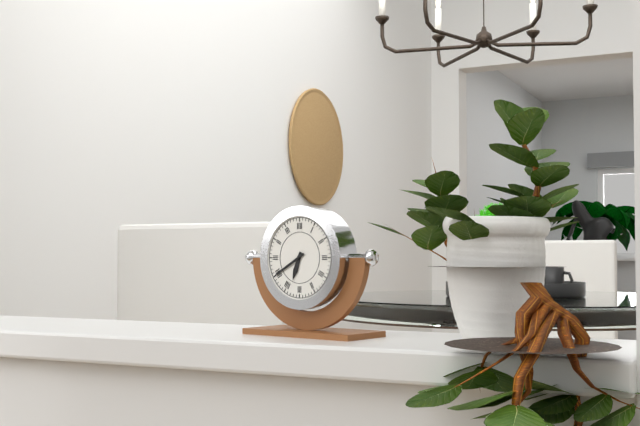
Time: {"hour": 6, "minute": 40}
